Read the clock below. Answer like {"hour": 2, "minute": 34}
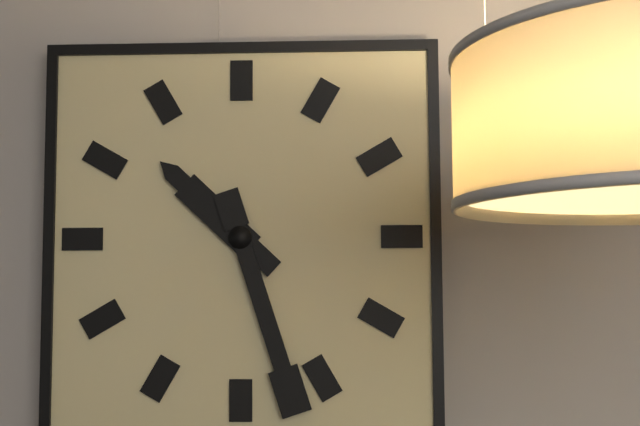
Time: {"hour": 10, "minute": 27}
